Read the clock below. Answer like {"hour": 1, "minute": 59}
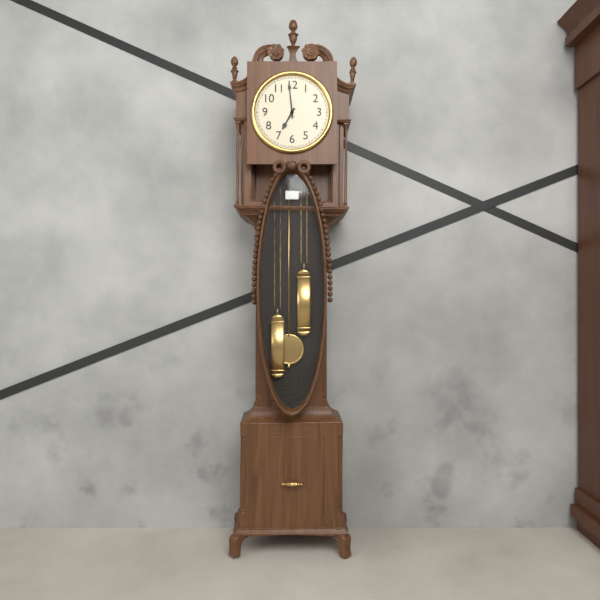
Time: {"hour": 6, "minute": 59}
